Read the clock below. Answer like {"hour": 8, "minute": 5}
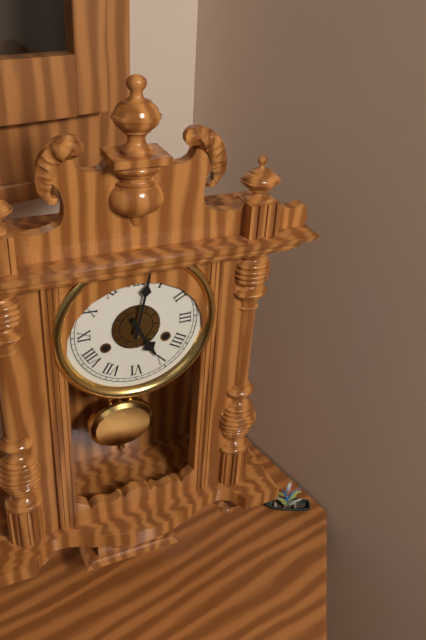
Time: {"hour": 5, "minute": 2}
